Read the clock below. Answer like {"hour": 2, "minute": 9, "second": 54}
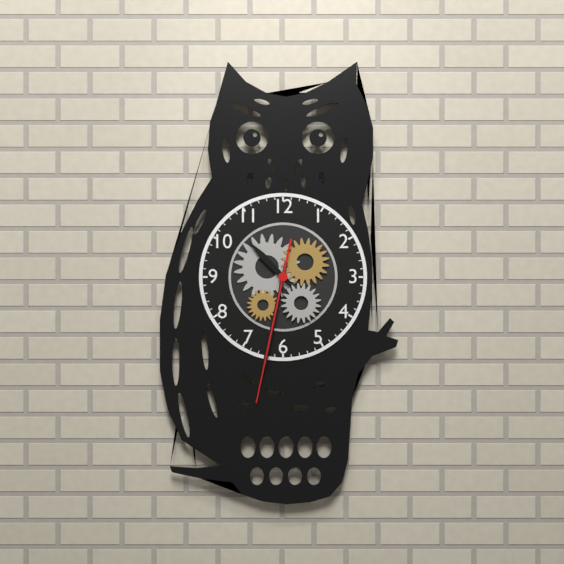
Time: {"hour": 10, "minute": 32, "second": 32}
